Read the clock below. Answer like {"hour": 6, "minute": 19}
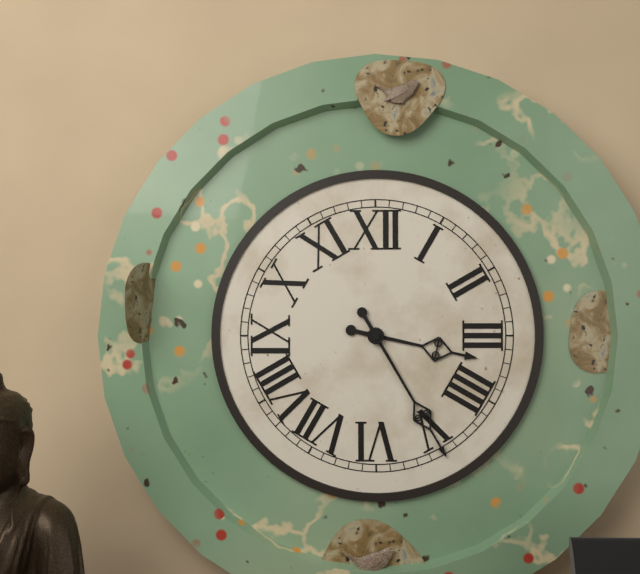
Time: {"hour": 3, "minute": 25}
